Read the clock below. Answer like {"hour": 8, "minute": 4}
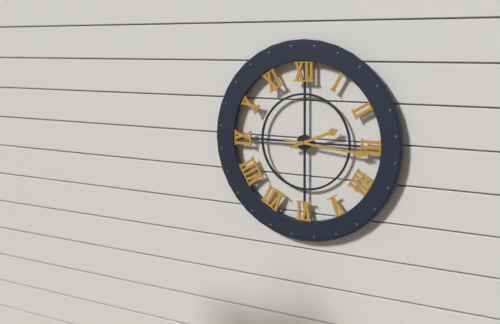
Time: {"hour": 2, "minute": 16}
